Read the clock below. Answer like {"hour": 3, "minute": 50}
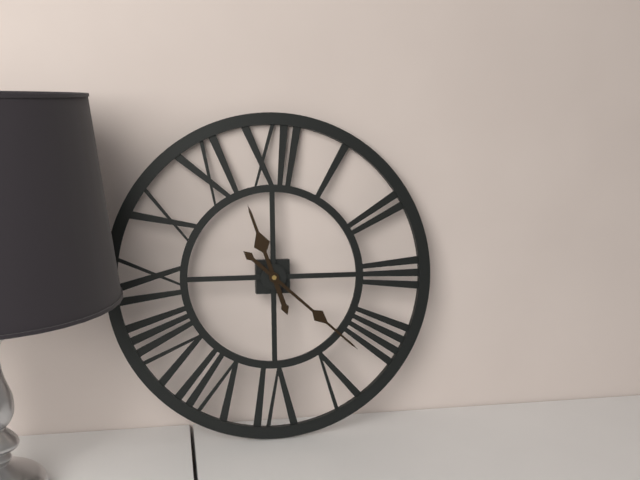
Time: {"hour": 11, "minute": 22}
